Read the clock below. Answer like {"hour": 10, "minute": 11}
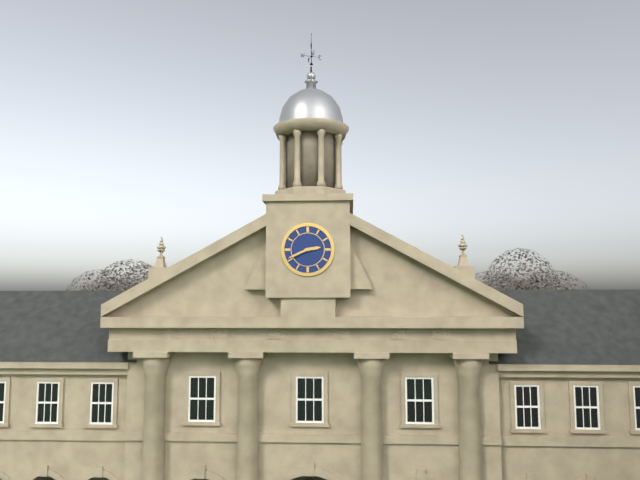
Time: {"hour": 2, "minute": 41}
